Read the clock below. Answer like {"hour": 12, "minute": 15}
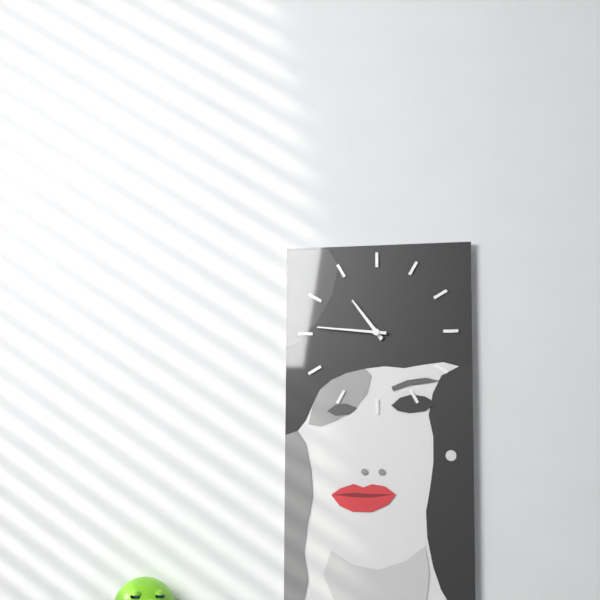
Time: {"hour": 10, "minute": 46}
